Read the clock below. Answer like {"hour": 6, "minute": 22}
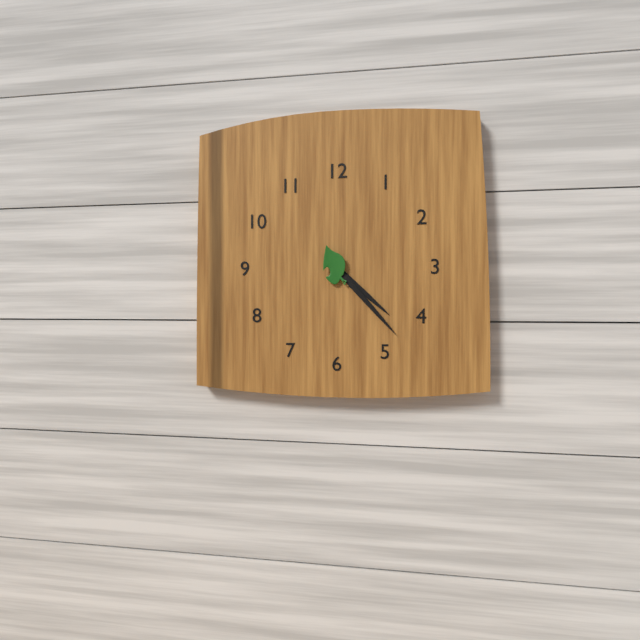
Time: {"hour": 4, "minute": 23}
